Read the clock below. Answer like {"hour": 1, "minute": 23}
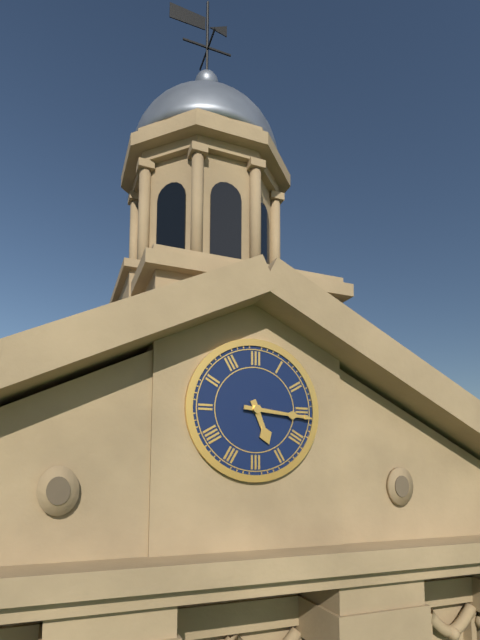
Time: {"hour": 5, "minute": 16}
